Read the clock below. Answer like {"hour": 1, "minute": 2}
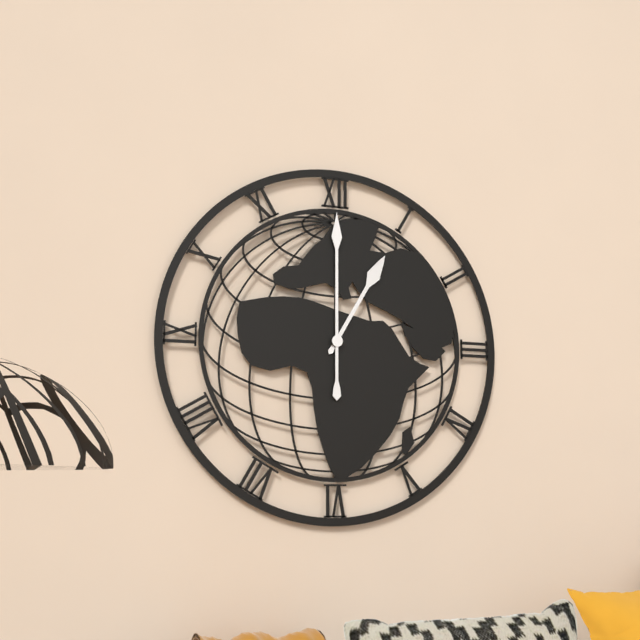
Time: {"hour": 1, "minute": 0}
